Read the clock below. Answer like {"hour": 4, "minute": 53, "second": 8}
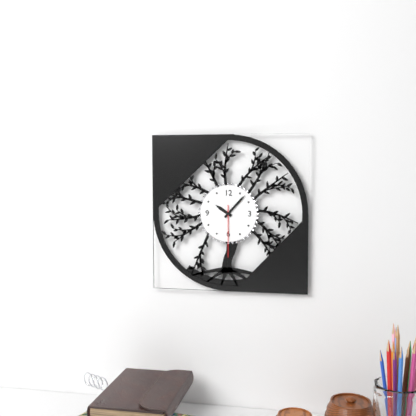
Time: {"hour": 10, "minute": 7, "second": 30}
